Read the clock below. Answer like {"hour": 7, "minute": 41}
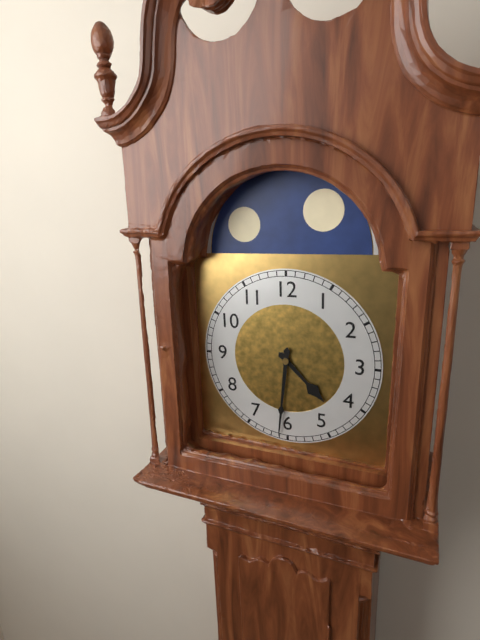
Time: {"hour": 4, "minute": 31}
